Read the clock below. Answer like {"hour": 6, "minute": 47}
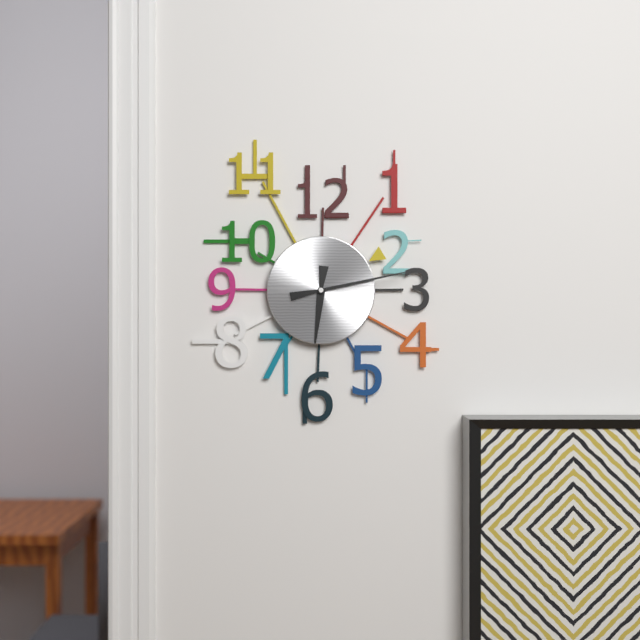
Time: {"hour": 6, "minute": 13}
